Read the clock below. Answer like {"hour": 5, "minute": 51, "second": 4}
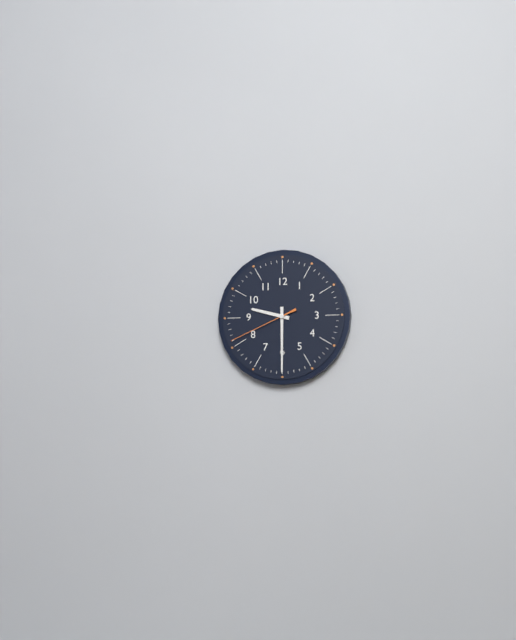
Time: {"hour": 9, "minute": 30, "second": 41}
